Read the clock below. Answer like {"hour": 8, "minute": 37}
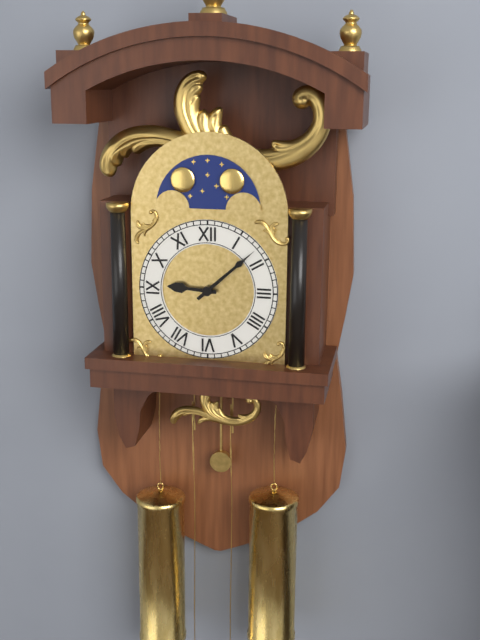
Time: {"hour": 9, "minute": 8}
